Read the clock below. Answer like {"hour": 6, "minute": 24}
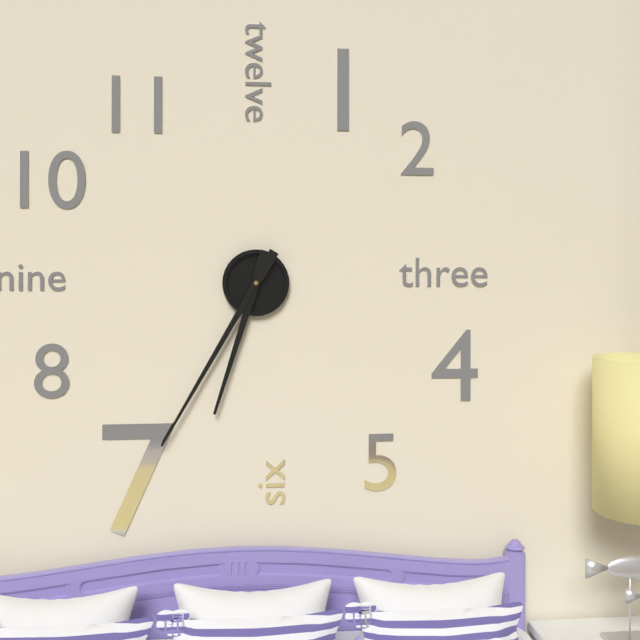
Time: {"hour": 6, "minute": 35}
